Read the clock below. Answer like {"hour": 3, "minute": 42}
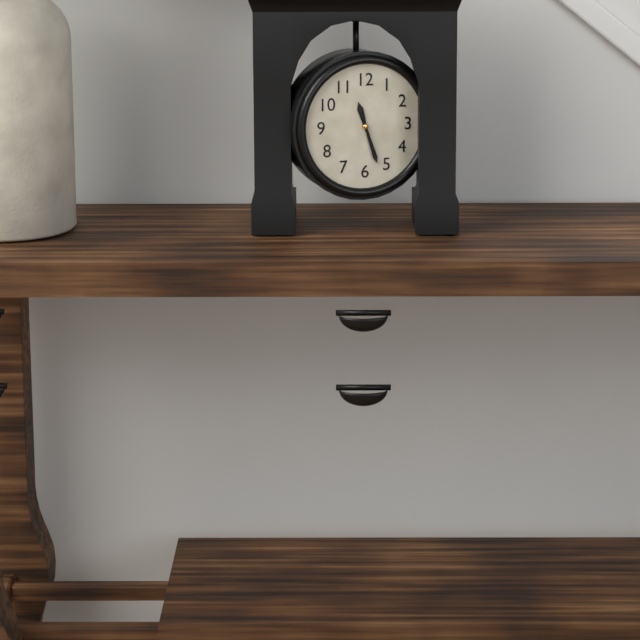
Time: {"hour": 11, "minute": 27}
